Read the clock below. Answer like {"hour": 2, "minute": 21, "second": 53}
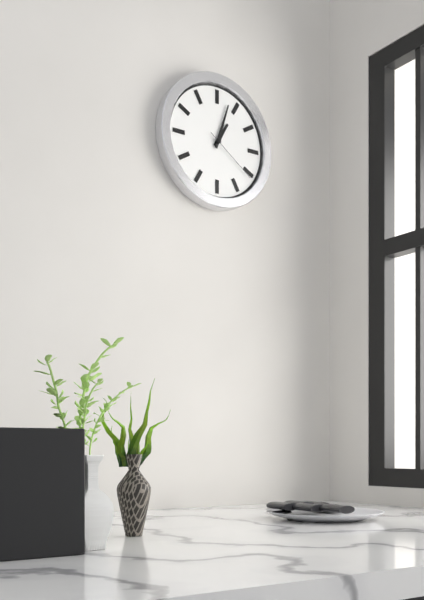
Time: {"hour": 1, "minute": 3, "second": 21}
